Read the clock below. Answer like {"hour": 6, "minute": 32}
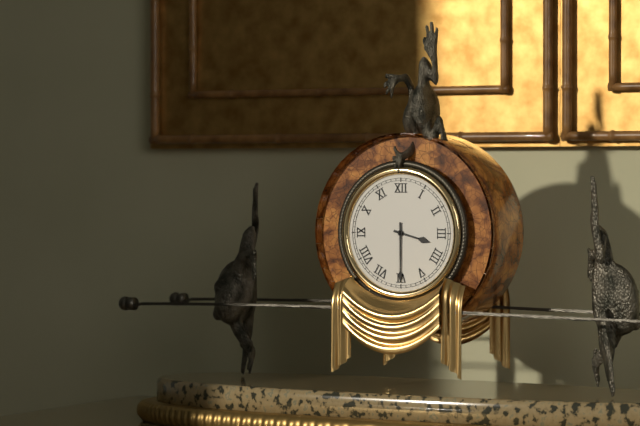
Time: {"hour": 3, "minute": 30}
